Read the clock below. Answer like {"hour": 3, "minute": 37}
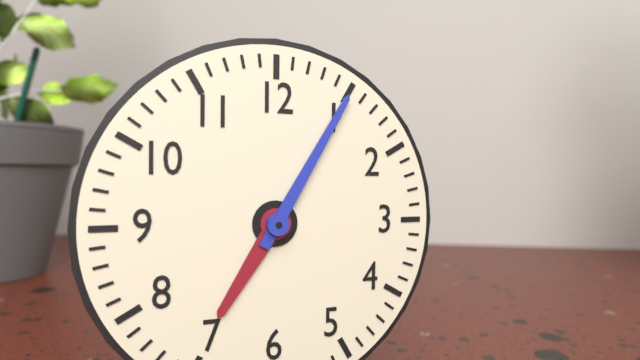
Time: {"hour": 7, "minute": 5}
